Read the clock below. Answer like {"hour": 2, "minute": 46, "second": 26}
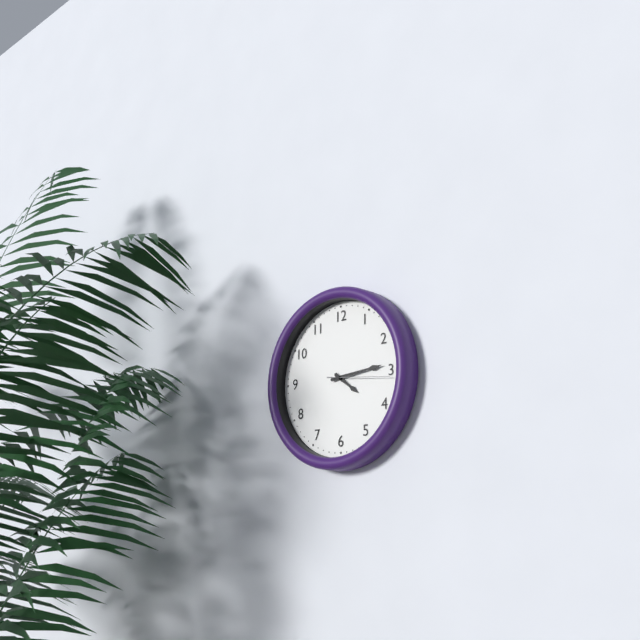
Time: {"hour": 4, "minute": 14, "second": 16}
